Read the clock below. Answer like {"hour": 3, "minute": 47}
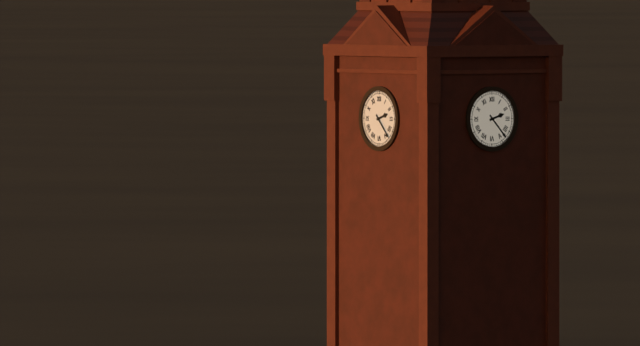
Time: {"hour": 2, "minute": 23}
